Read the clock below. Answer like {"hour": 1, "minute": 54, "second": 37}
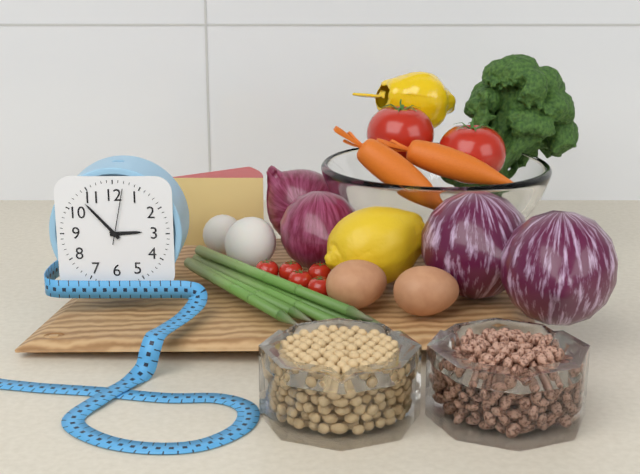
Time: {"hour": 2, "minute": 53, "second": 2}
